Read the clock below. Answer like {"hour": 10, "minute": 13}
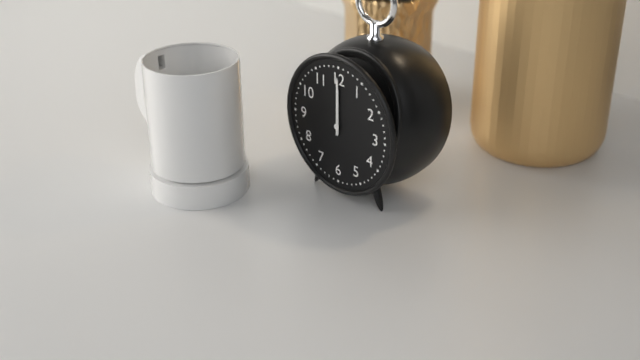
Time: {"hour": 12, "minute": 0}
